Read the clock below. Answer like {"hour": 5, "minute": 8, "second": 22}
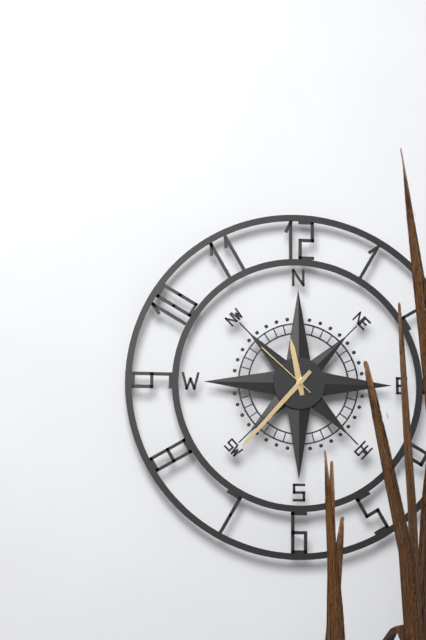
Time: {"hour": 11, "minute": 37, "second": 52}
